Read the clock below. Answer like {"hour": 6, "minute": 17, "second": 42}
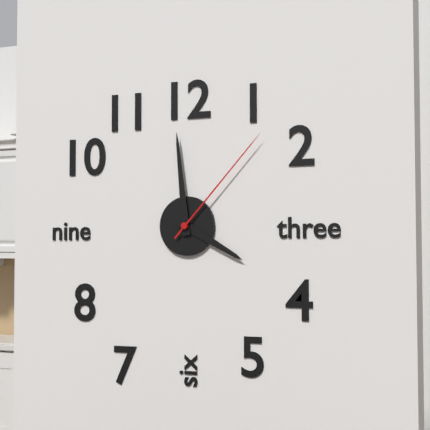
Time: {"hour": 3, "minute": 59, "second": 7}
